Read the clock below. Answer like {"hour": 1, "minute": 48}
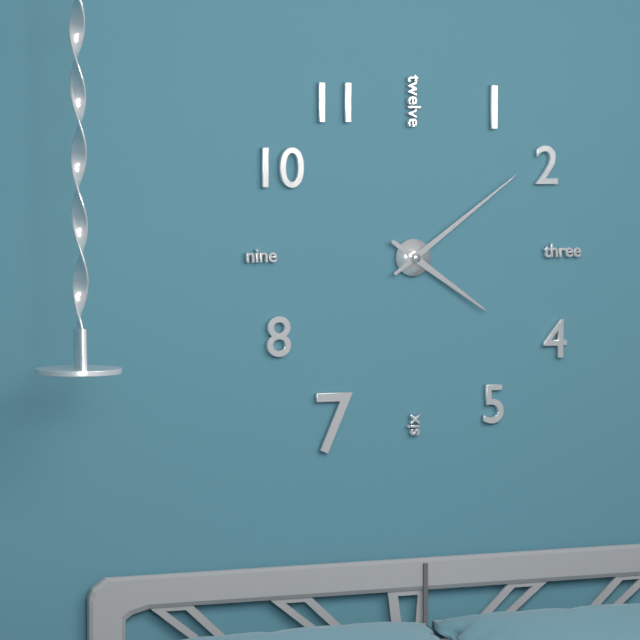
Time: {"hour": 4, "minute": 9}
